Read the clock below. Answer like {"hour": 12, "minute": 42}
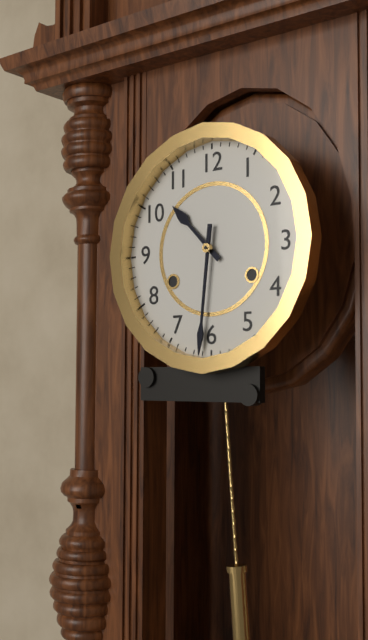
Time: {"hour": 10, "minute": 31}
